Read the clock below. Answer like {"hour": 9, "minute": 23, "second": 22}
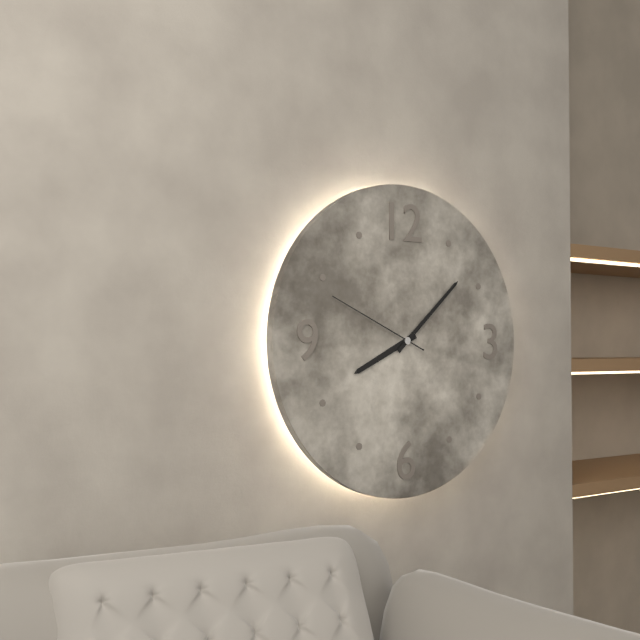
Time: {"hour": 8, "minute": 8, "second": 49}
